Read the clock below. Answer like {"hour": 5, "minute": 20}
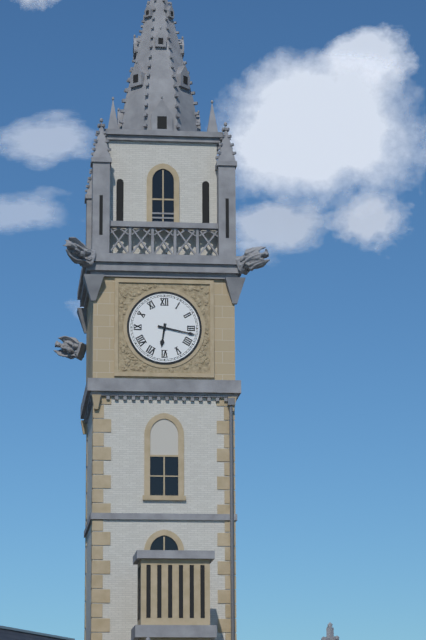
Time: {"hour": 6, "minute": 17}
